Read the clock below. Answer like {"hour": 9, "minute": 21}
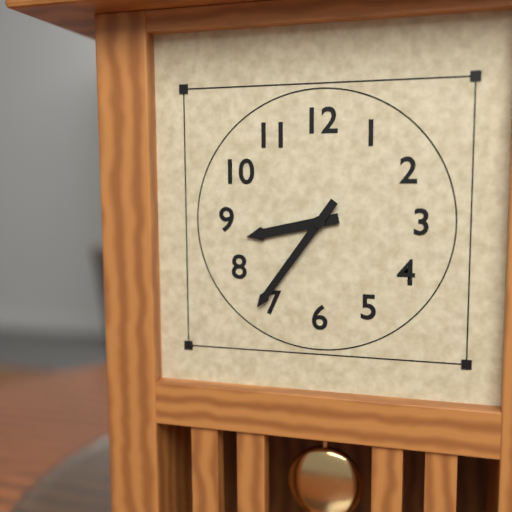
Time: {"hour": 8, "minute": 36}
